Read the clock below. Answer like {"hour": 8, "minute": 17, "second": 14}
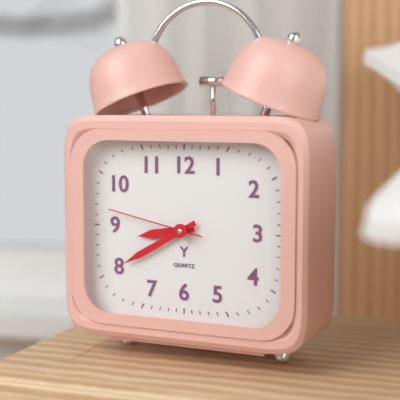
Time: {"hour": 8, "minute": 40, "second": 47}
